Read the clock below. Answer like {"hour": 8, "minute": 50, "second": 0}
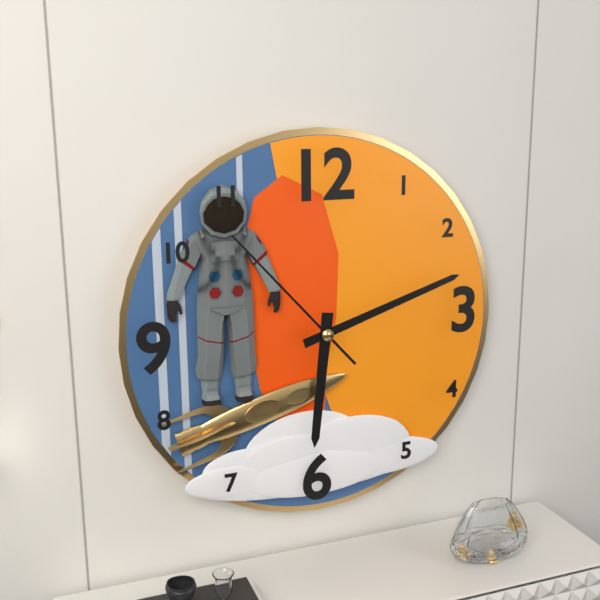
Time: {"hour": 6, "minute": 12, "second": 53}
